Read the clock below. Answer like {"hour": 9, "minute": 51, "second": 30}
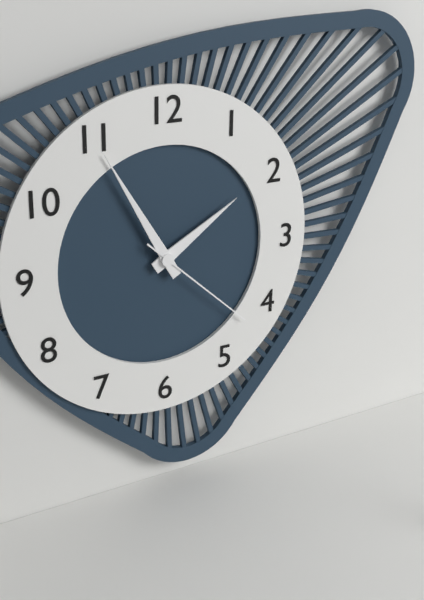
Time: {"hour": 1, "minute": 55, "second": 22}
